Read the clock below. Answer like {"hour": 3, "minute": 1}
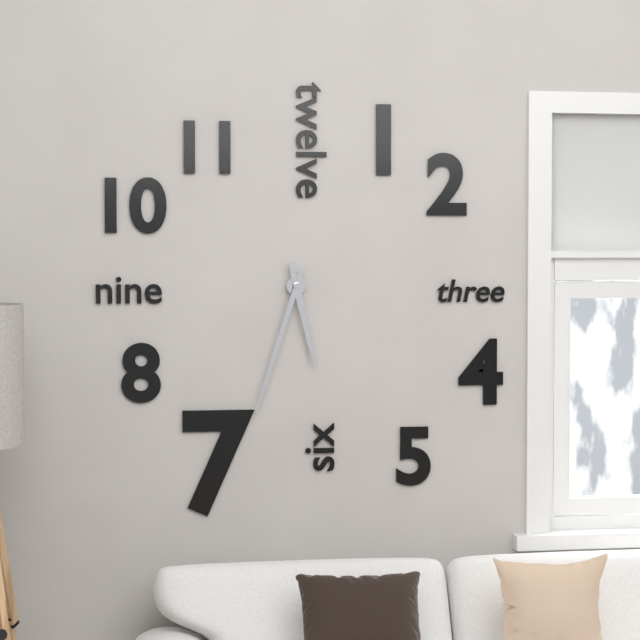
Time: {"hour": 5, "minute": 33}
